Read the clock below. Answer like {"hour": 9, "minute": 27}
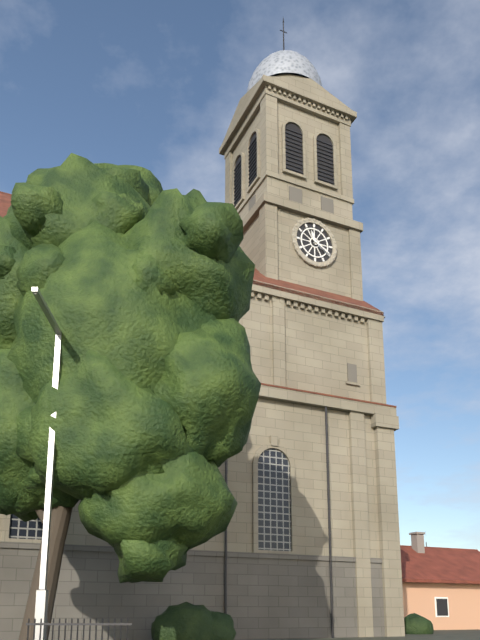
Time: {"hour": 11, "minute": 20}
